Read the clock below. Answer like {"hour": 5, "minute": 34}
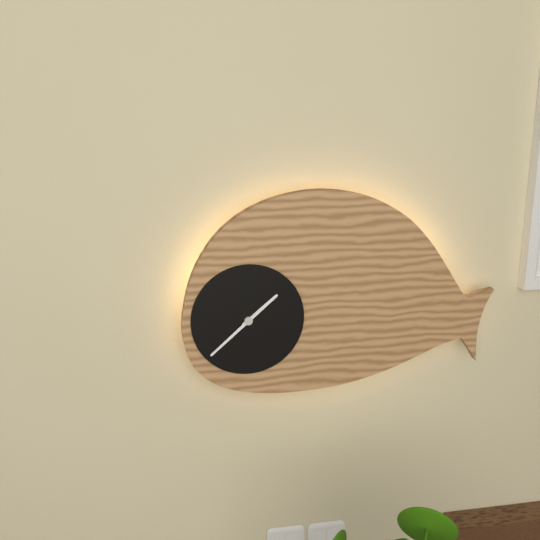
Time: {"hour": 1, "minute": 38}
